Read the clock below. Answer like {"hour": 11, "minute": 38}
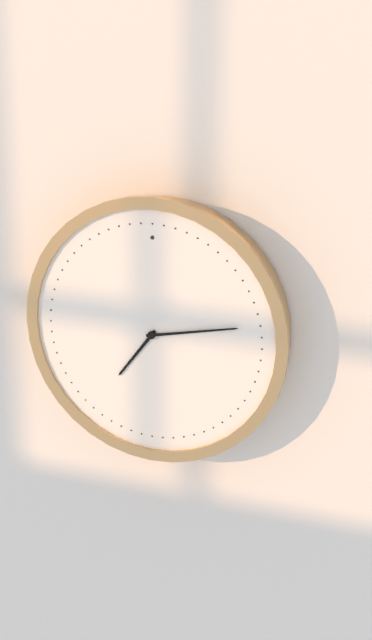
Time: {"hour": 7, "minute": 13}
